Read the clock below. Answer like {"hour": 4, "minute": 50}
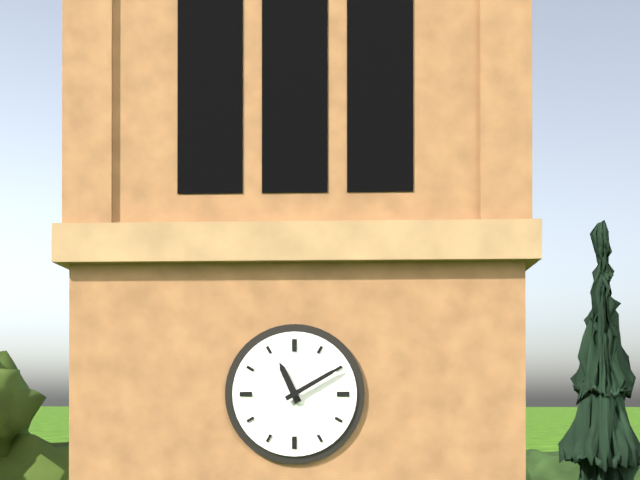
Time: {"hour": 11, "minute": 10}
